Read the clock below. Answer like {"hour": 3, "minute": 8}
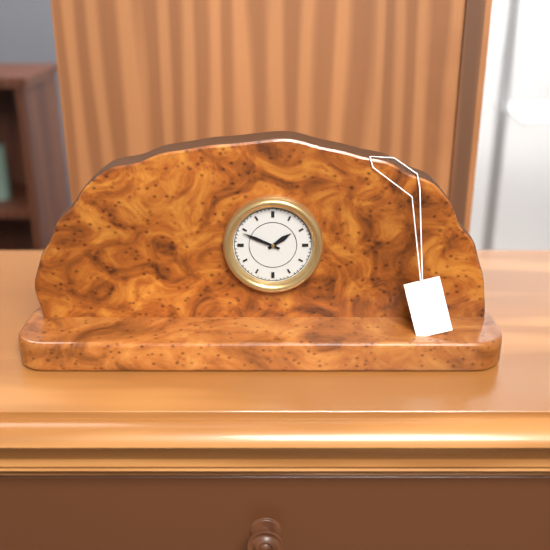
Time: {"hour": 1, "minute": 49}
